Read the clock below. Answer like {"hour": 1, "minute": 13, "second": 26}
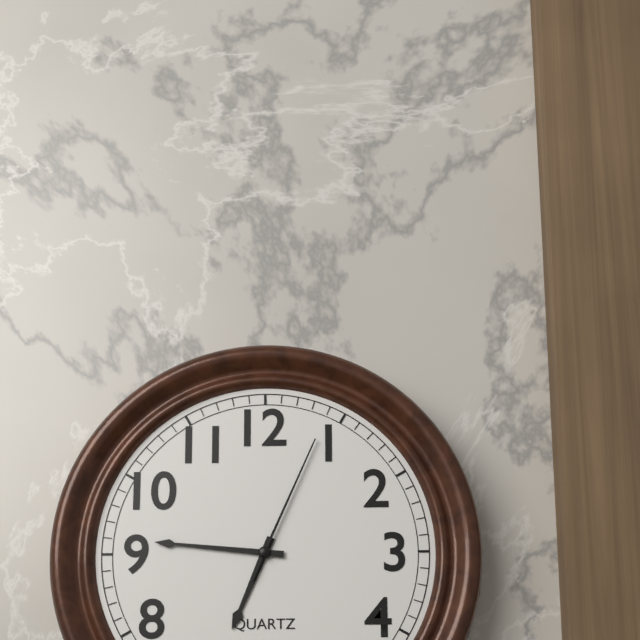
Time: {"hour": 6, "minute": 46, "second": 4}
